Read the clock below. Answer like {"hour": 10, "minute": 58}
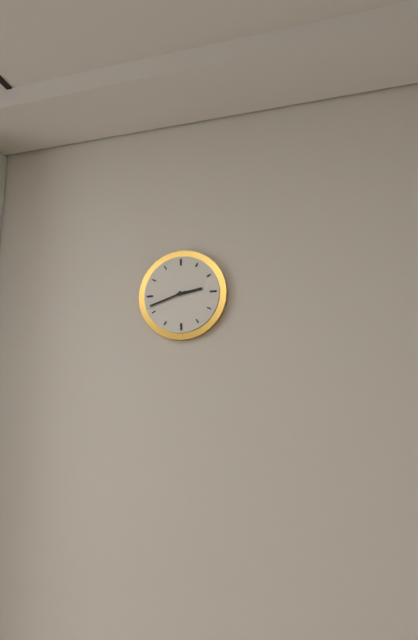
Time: {"hour": 2, "minute": 42}
